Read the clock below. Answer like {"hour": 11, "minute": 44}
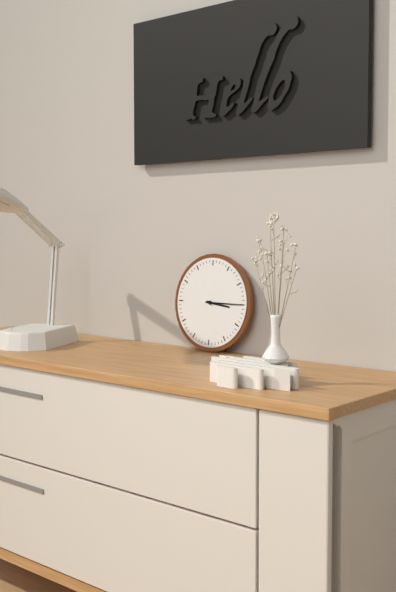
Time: {"hour": 3, "minute": 15}
